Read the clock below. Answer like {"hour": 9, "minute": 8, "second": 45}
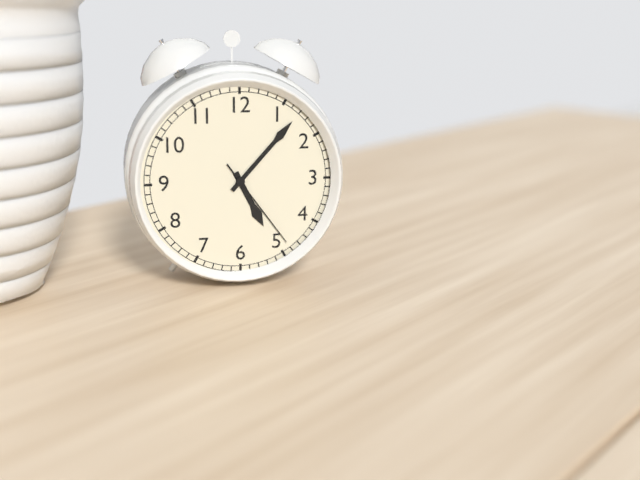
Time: {"hour": 5, "minute": 7, "second": 24}
